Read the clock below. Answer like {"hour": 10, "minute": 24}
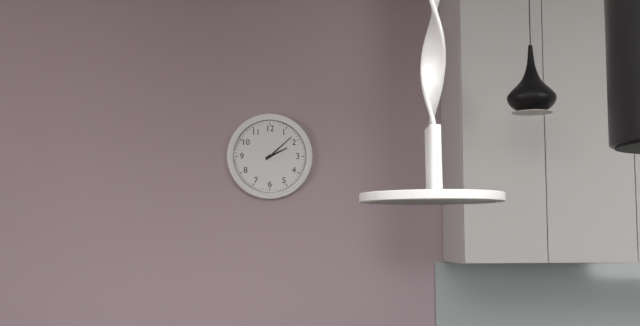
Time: {"hour": 2, "minute": 8}
